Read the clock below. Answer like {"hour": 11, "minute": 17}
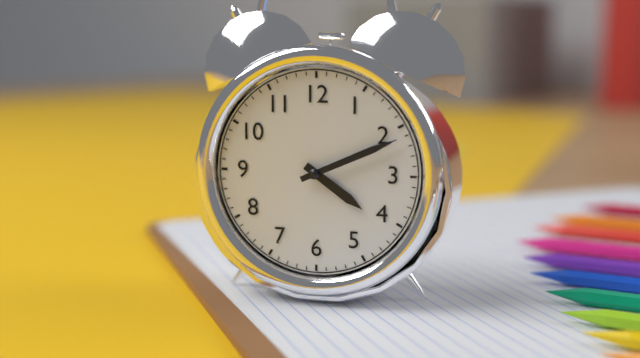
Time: {"hour": 4, "minute": 11}
